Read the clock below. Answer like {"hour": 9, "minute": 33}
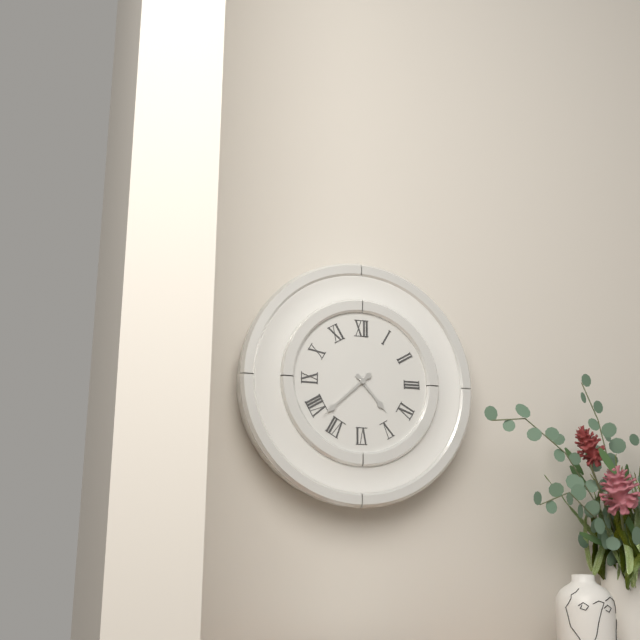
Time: {"hour": 4, "minute": 38}
